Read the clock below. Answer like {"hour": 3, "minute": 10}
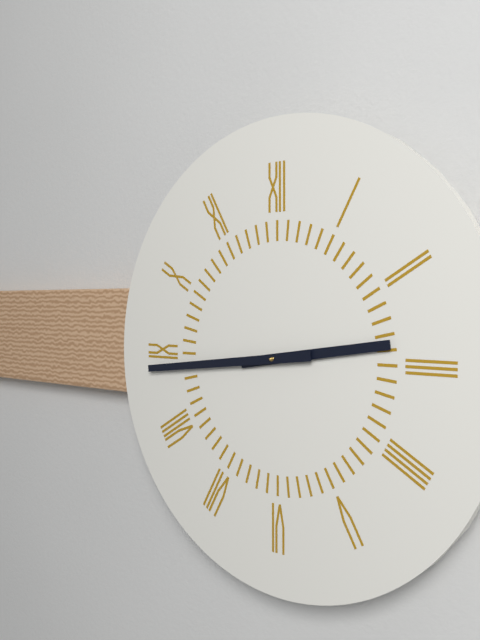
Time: {"hour": 2, "minute": 44}
